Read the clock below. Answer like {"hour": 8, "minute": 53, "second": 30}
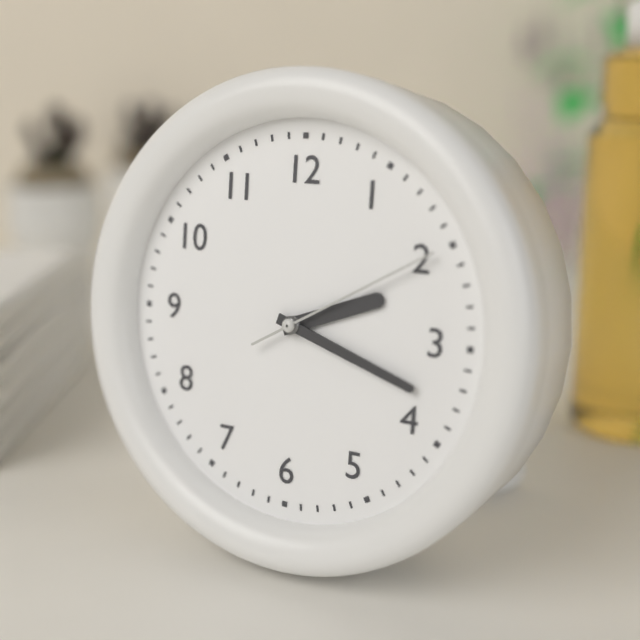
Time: {"hour": 2, "minute": 18, "second": 10}
